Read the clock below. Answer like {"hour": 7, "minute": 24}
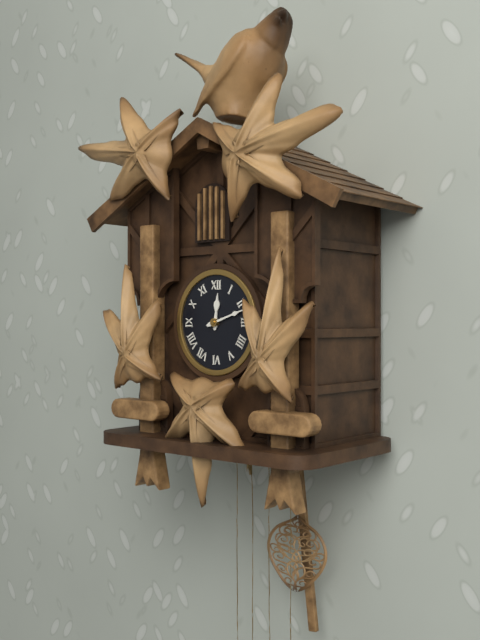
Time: {"hour": 12, "minute": 12}
